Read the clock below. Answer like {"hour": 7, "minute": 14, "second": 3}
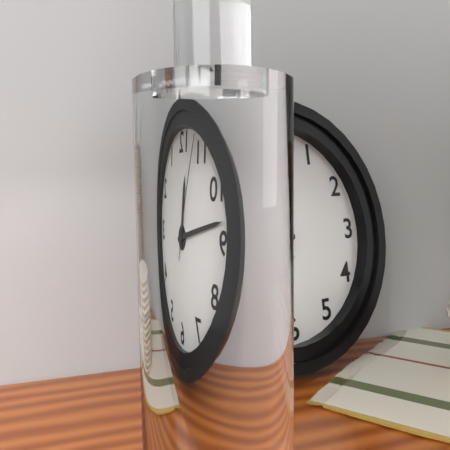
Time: {"hour": 11, "minute": 47, "second": 57}
